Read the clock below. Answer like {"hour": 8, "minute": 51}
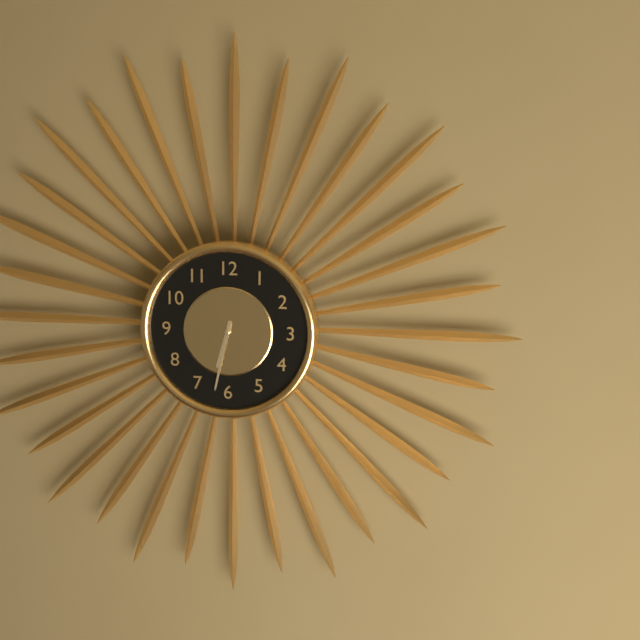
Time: {"hour": 6, "minute": 32}
